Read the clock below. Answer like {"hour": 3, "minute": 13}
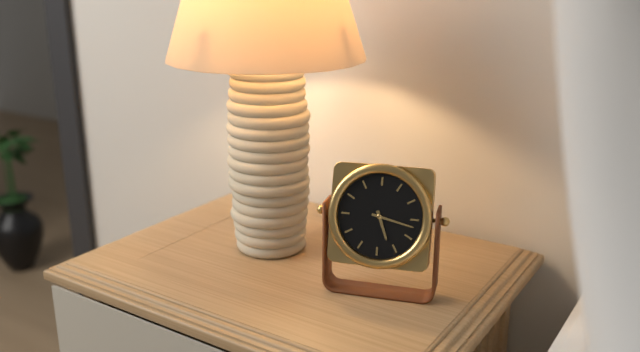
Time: {"hour": 5, "minute": 17}
